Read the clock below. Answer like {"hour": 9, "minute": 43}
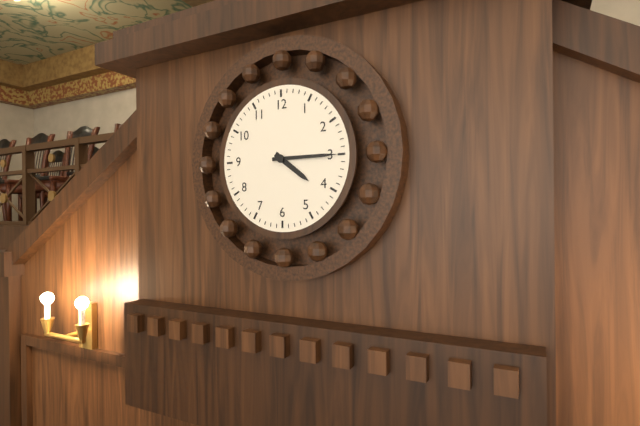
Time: {"hour": 4, "minute": 15}
